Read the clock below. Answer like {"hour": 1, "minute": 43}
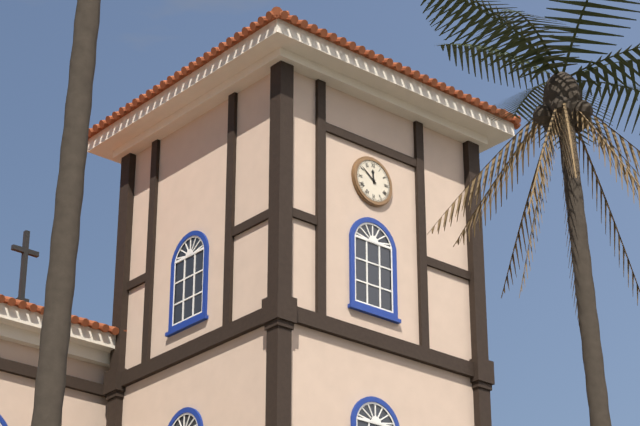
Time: {"hour": 11, "minute": 51}
